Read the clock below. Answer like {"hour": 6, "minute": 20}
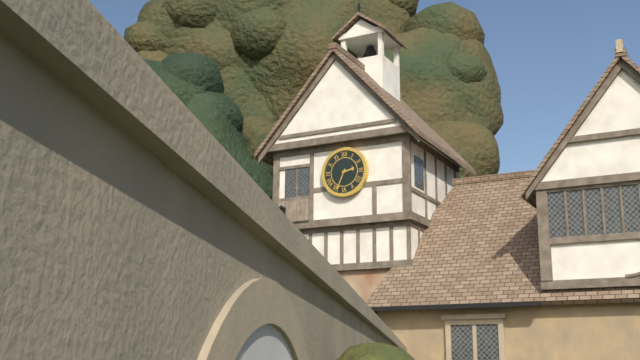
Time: {"hour": 2, "minute": 34}
